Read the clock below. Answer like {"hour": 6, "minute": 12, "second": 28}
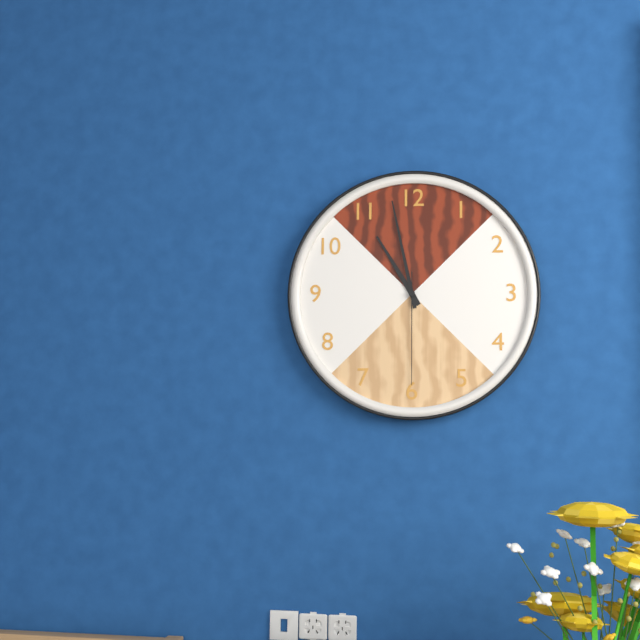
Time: {"hour": 10, "minute": 58, "second": 30}
